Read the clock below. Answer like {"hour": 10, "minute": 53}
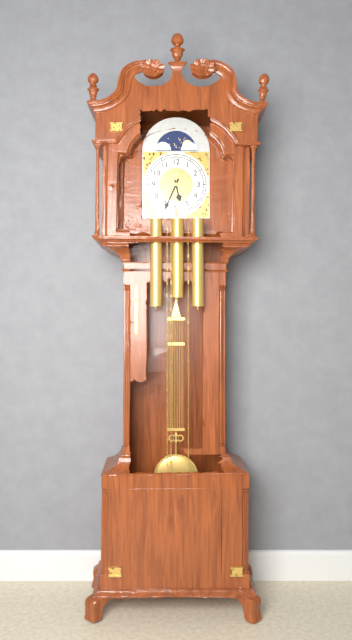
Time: {"hour": 5, "minute": 34}
